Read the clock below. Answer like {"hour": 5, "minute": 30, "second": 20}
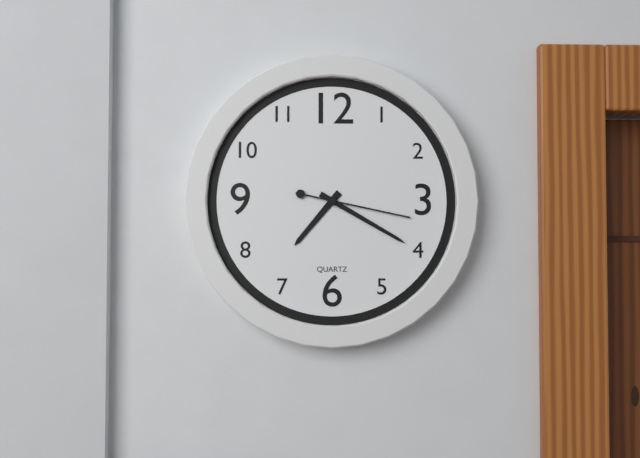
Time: {"hour": 7, "minute": 20, "second": 17}
